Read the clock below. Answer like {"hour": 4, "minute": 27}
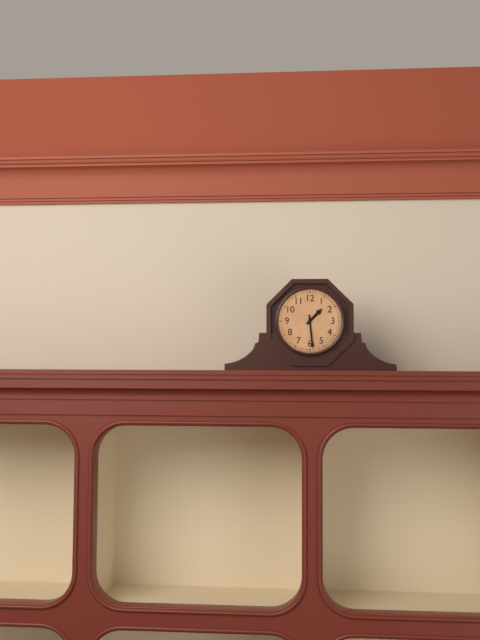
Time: {"hour": 1, "minute": 29}
